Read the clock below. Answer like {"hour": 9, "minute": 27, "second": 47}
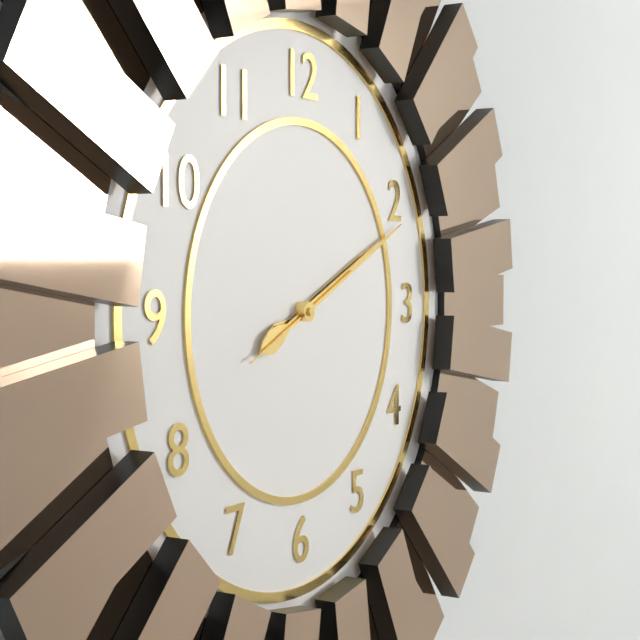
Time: {"hour": 2, "minute": 11, "second": 41}
